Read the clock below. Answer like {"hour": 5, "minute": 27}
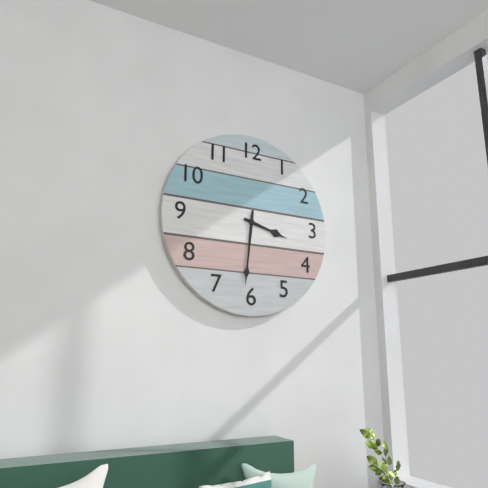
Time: {"hour": 3, "minute": 31}
